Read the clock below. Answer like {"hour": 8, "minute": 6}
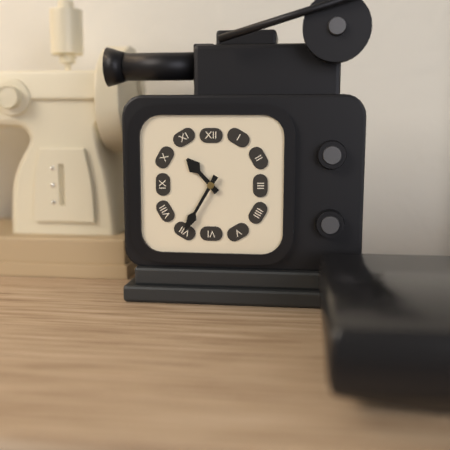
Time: {"hour": 10, "minute": 35}
